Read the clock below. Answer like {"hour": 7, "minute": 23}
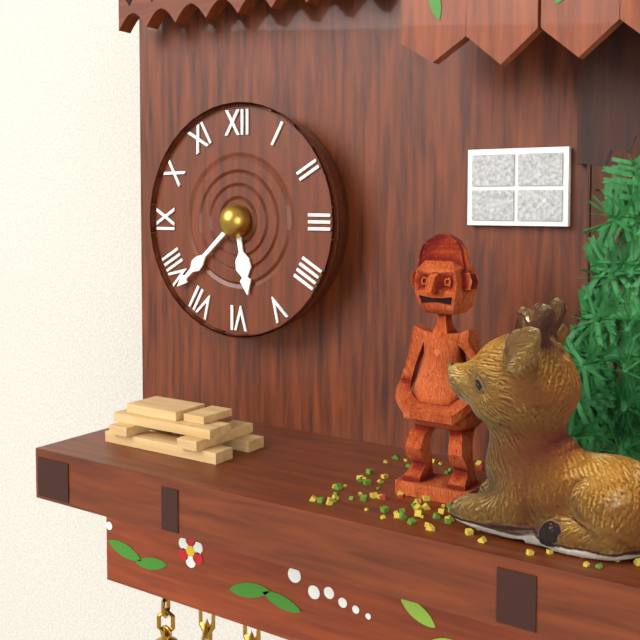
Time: {"hour": 5, "minute": 38}
